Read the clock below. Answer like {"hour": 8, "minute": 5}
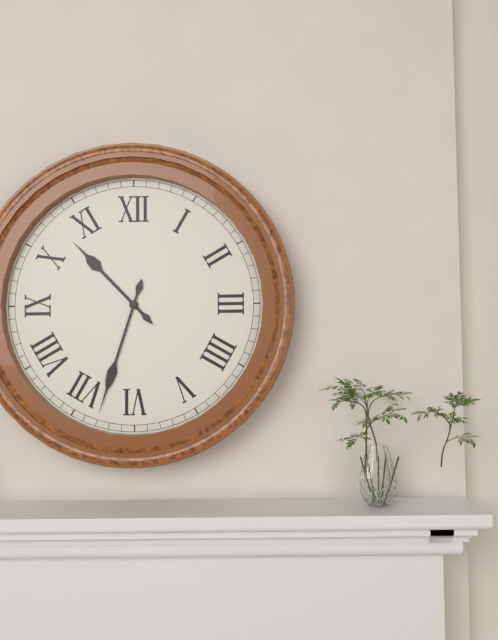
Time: {"hour": 10, "minute": 33}
